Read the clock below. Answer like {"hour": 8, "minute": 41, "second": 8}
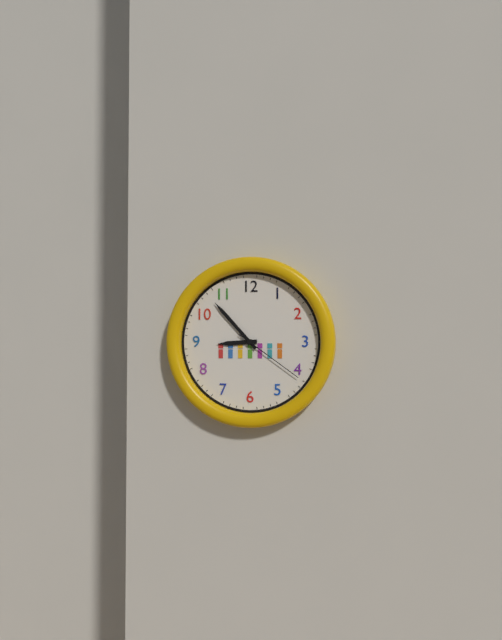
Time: {"hour": 8, "minute": 53, "second": 21}
